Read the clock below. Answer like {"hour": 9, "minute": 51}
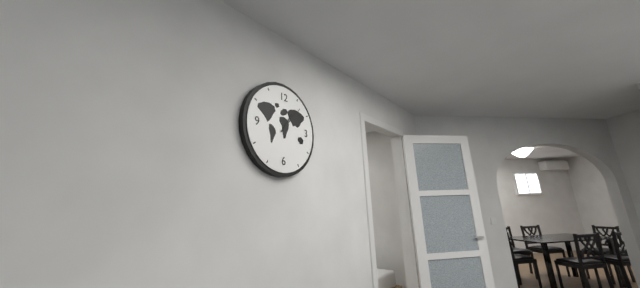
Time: {"hour": 1, "minute": 7}
